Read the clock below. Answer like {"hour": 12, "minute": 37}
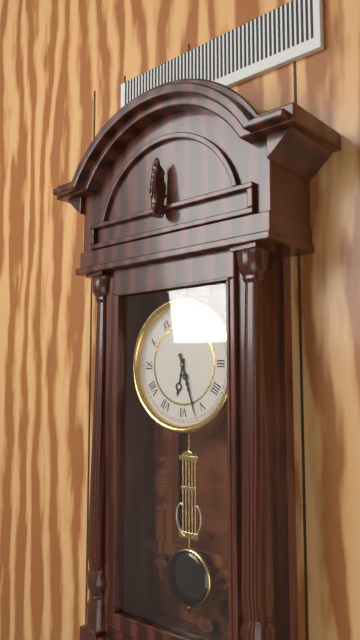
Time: {"hour": 6, "minute": 27}
